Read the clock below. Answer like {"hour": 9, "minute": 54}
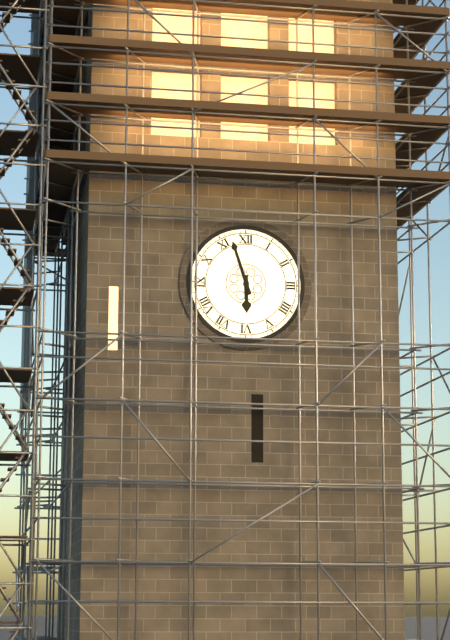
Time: {"hour": 5, "minute": 57}
